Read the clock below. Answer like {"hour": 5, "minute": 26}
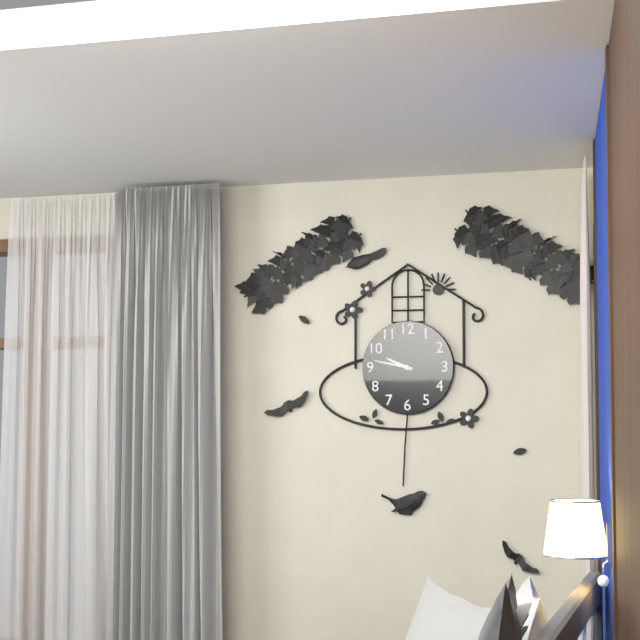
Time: {"hour": 9, "minute": 47}
